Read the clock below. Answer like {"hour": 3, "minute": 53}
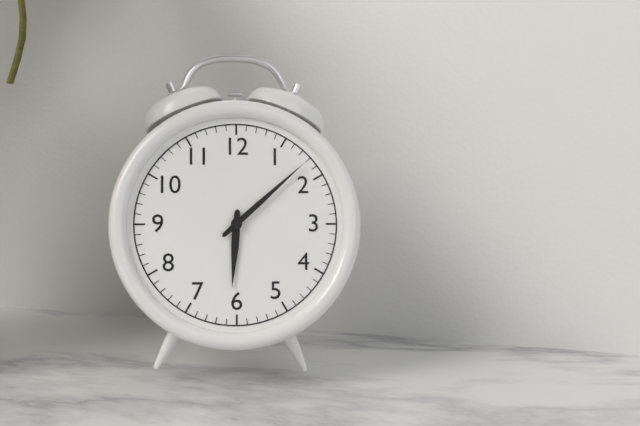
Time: {"hour": 6, "minute": 8}
